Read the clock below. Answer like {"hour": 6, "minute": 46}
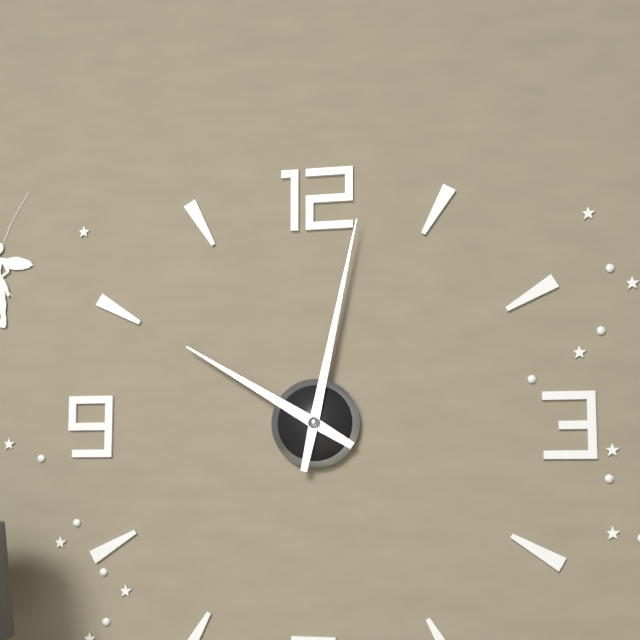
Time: {"hour": 10, "minute": 2}
